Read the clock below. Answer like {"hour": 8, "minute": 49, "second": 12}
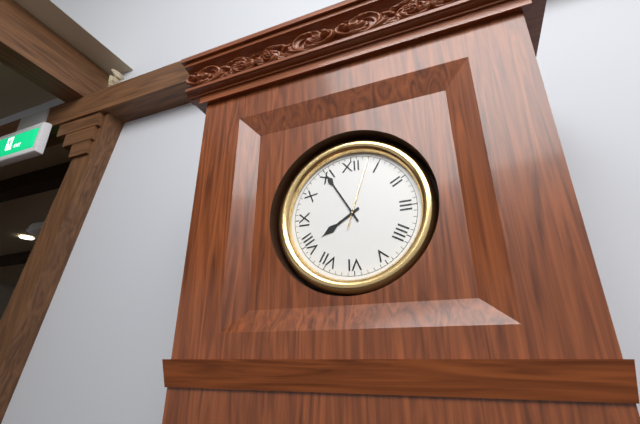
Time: {"hour": 7, "minute": 55, "second": 3}
